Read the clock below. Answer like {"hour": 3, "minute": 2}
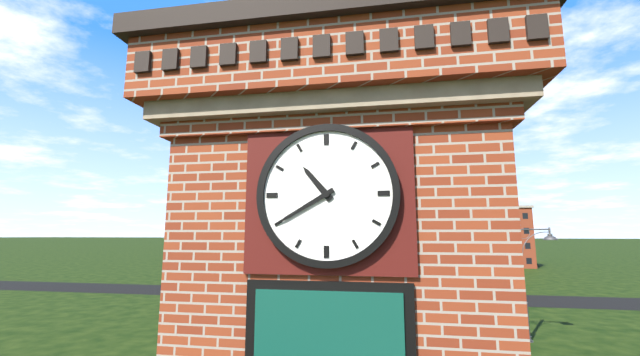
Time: {"hour": 10, "minute": 40}
